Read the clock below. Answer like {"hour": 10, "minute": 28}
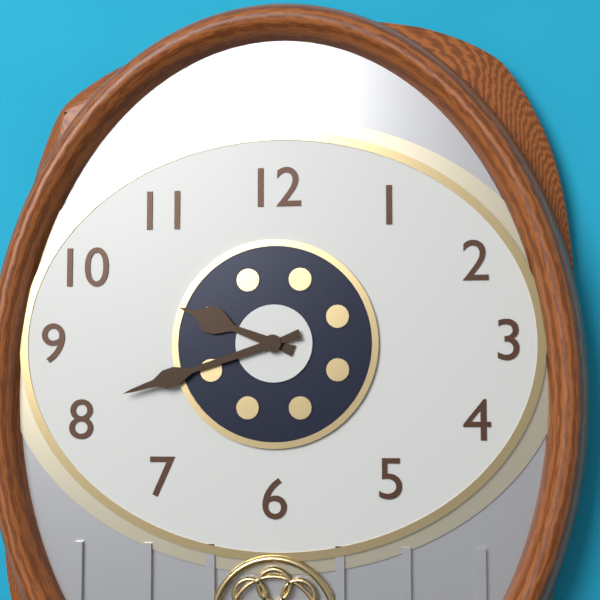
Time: {"hour": 9, "minute": 42}
